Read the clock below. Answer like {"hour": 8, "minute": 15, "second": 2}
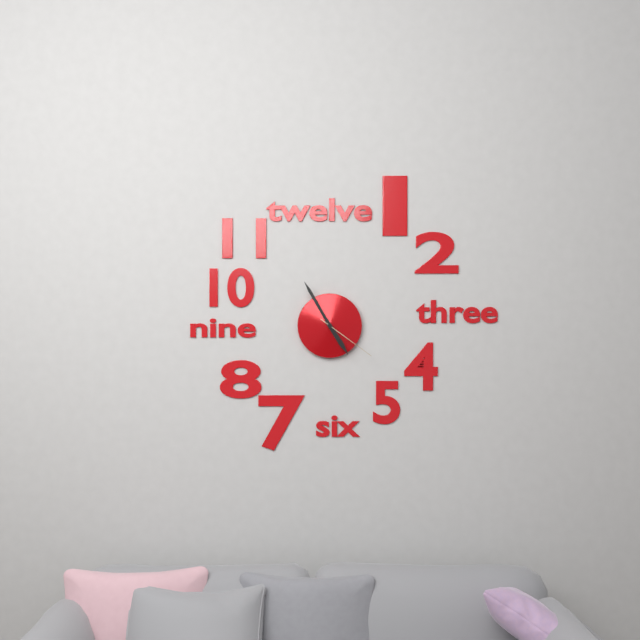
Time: {"hour": 4, "minute": 55, "second": 21}
